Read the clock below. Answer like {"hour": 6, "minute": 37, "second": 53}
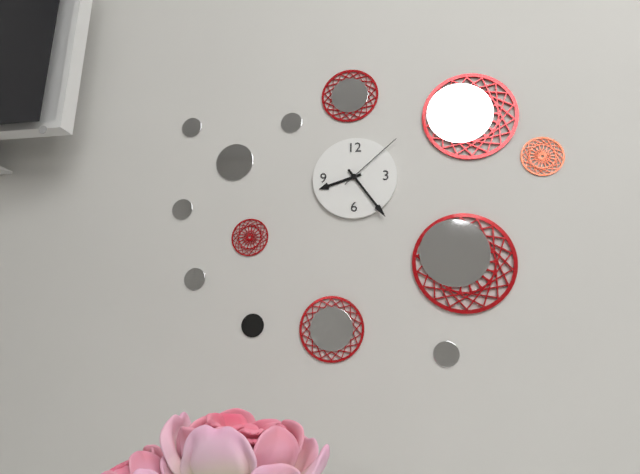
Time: {"hour": 8, "minute": 24, "second": 8}
